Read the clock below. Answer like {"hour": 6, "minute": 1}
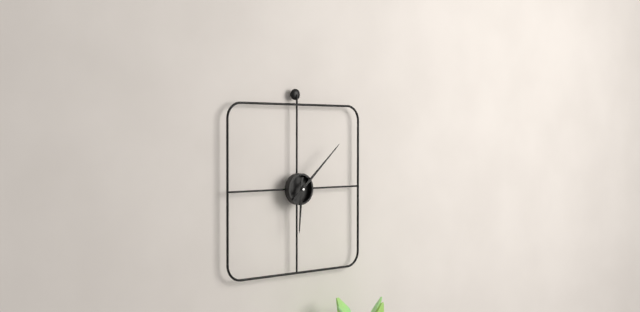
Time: {"hour": 6, "minute": 8}
